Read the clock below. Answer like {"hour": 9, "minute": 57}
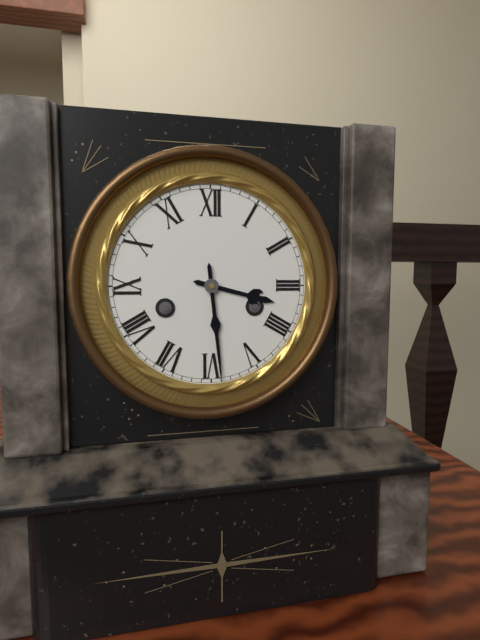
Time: {"hour": 3, "minute": 29}
